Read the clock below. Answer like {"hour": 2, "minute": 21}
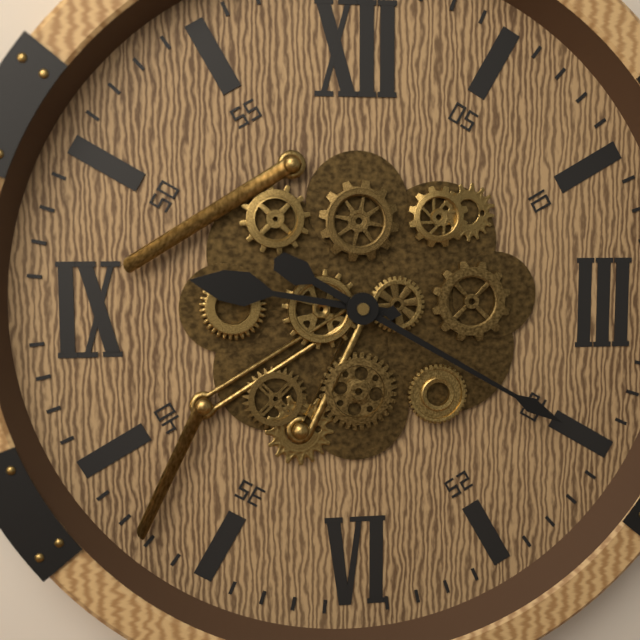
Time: {"hour": 9, "minute": 20}
